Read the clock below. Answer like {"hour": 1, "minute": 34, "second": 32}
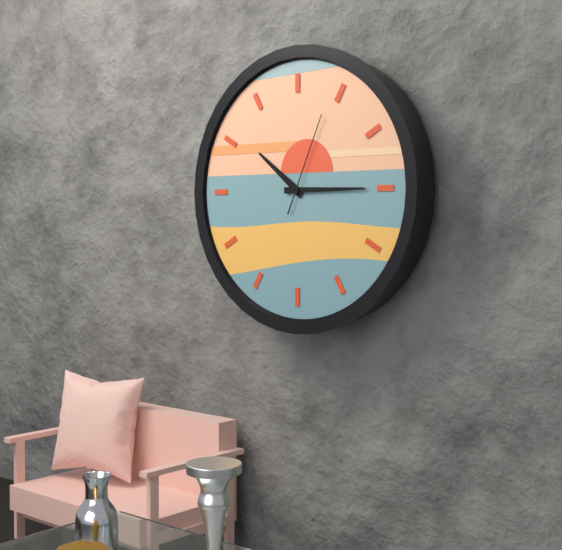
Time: {"hour": 10, "minute": 15, "second": 4}
